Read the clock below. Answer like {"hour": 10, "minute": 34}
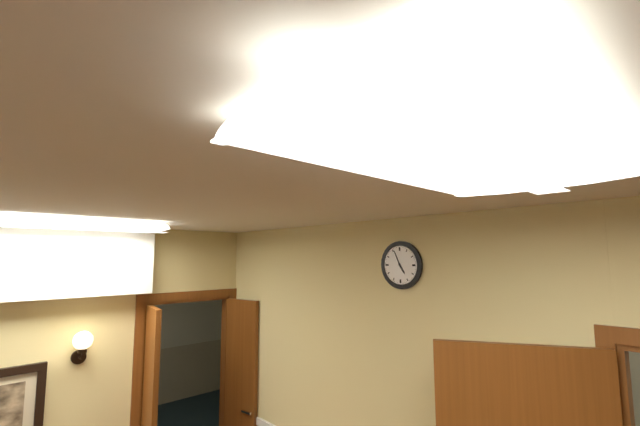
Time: {"hour": 4, "minute": 56}
